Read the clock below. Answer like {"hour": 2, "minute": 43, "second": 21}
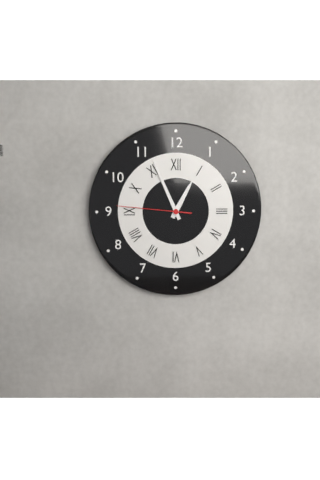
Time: {"hour": 12, "minute": 56, "second": 46}
